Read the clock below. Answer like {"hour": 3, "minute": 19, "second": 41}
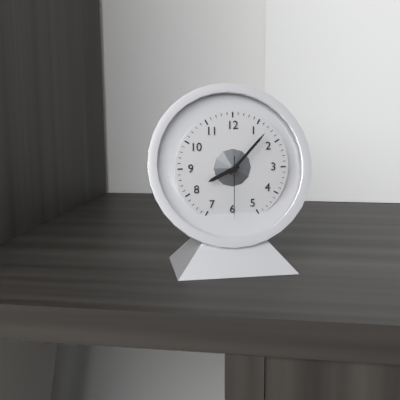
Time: {"hour": 8, "minute": 7, "second": 30}
